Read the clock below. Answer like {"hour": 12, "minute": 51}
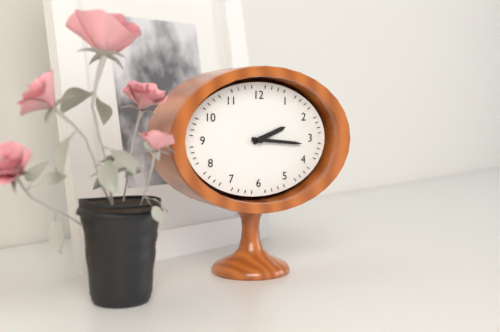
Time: {"hour": 2, "minute": 16}
